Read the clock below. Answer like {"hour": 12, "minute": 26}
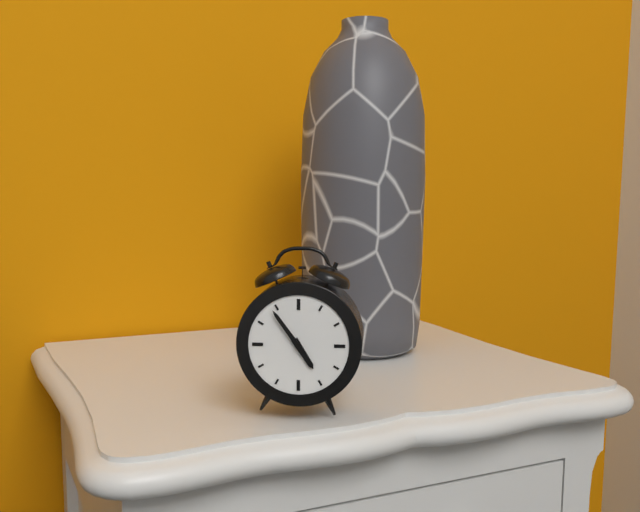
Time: {"hour": 4, "minute": 54}
